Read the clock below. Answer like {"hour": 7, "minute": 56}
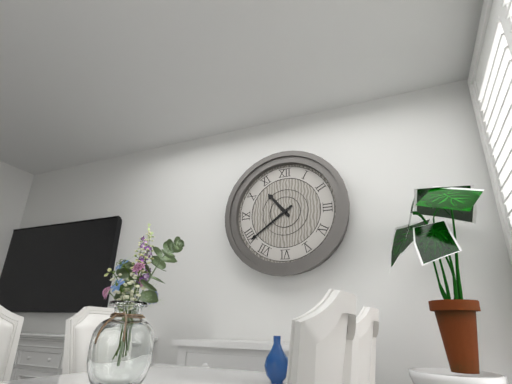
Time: {"hour": 10, "minute": 39}
